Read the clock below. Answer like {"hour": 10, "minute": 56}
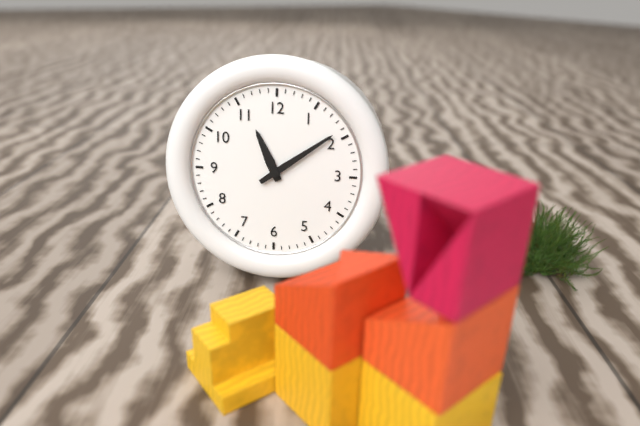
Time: {"hour": 11, "minute": 9}
